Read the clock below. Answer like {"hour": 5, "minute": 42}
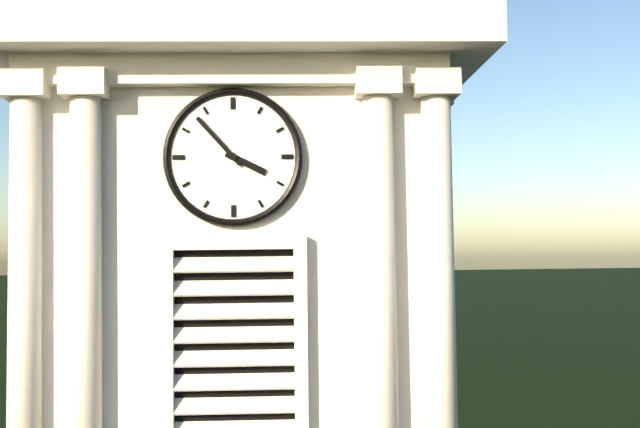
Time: {"hour": 3, "minute": 53}
